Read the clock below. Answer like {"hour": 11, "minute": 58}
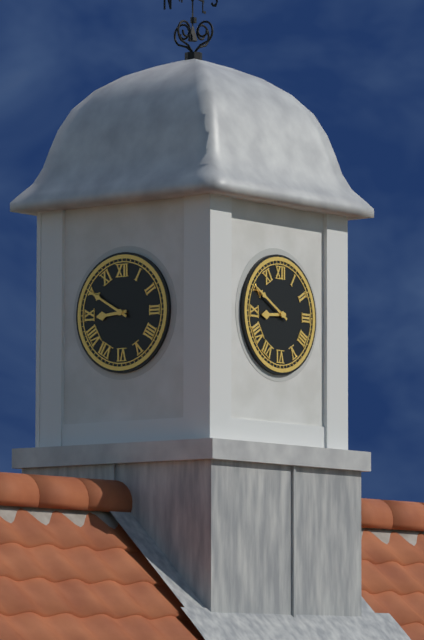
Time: {"hour": 8, "minute": 50}
